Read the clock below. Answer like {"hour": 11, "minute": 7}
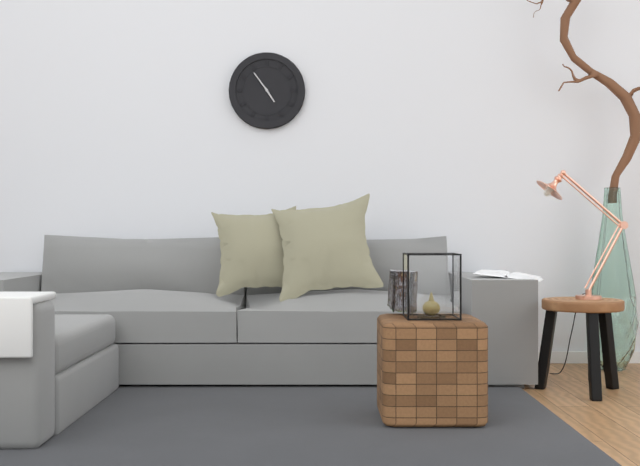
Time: {"hour": 4, "minute": 54}
